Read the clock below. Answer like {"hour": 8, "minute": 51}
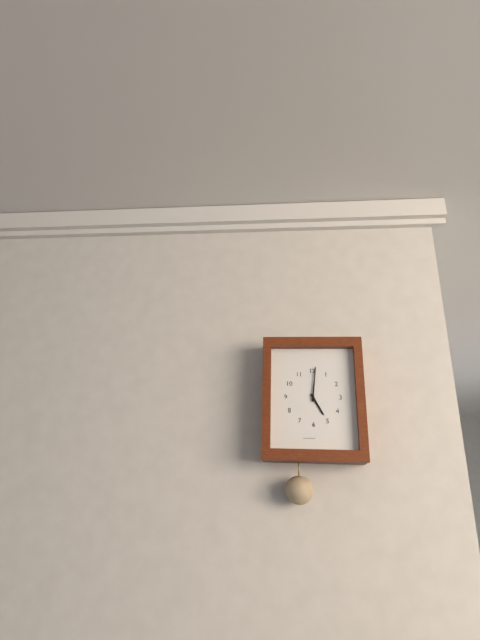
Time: {"hour": 5, "minute": 1}
